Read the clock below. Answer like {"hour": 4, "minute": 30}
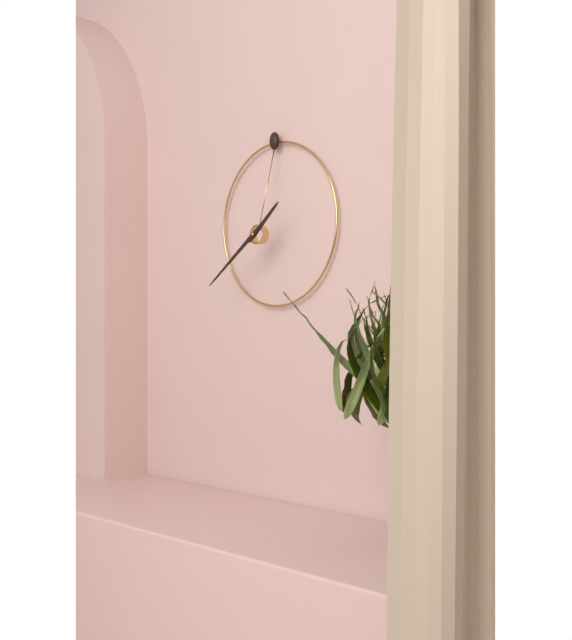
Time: {"hour": 1, "minute": 39}
